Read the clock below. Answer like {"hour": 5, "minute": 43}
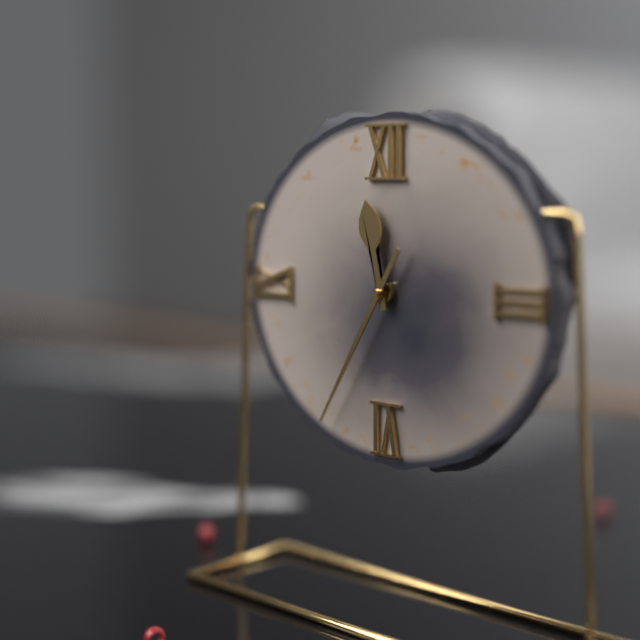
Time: {"hour": 11, "minute": 35}
